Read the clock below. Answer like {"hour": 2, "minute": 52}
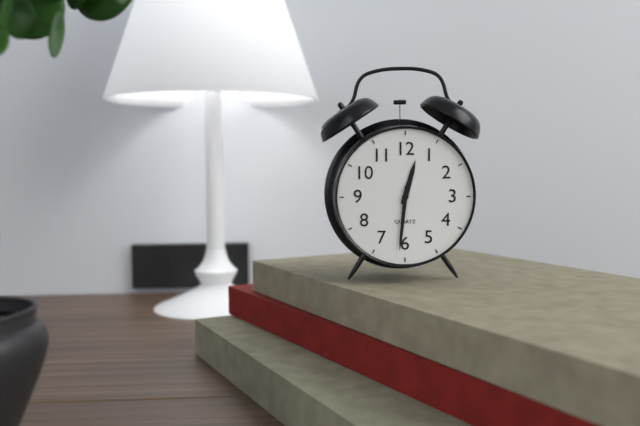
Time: {"hour": 12, "minute": 31}
